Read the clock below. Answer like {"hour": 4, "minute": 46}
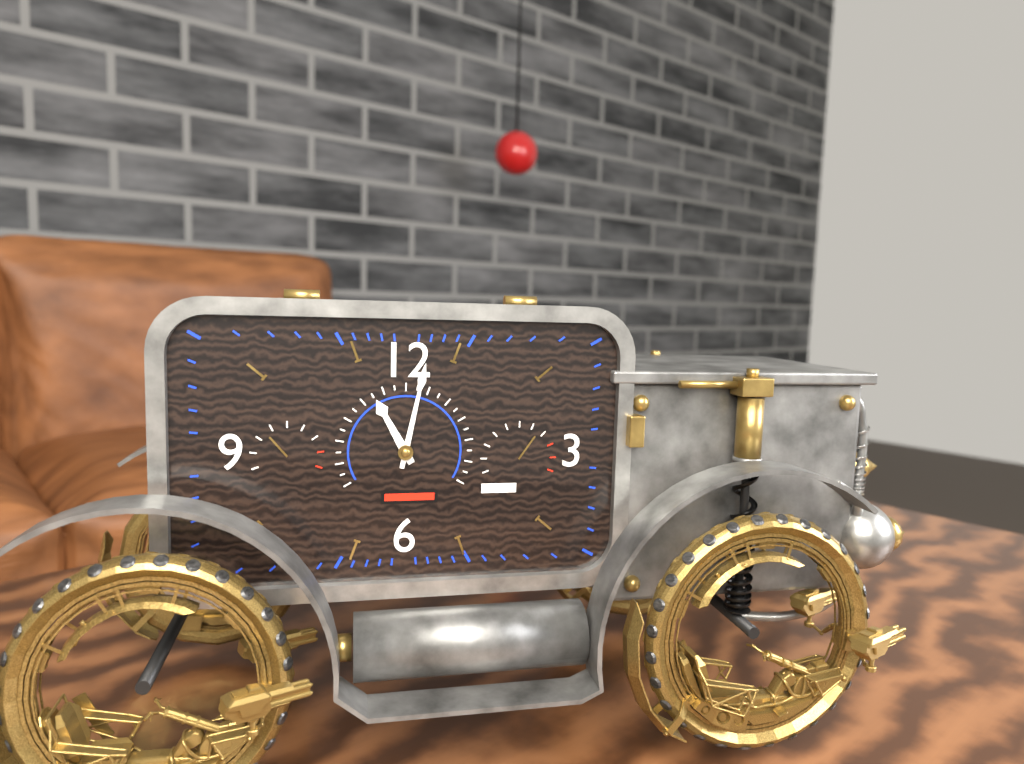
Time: {"hour": 11, "minute": 2}
